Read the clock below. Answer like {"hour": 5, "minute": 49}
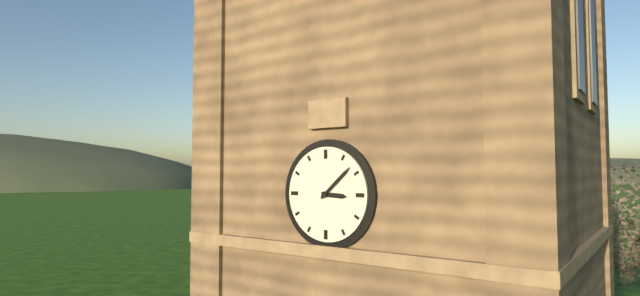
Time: {"hour": 3, "minute": 8}
